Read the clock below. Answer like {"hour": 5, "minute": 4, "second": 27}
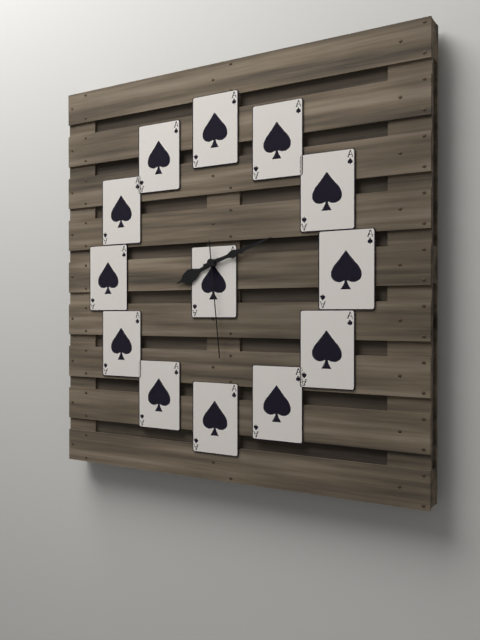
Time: {"hour": 8, "minute": 12, "second": 29}
